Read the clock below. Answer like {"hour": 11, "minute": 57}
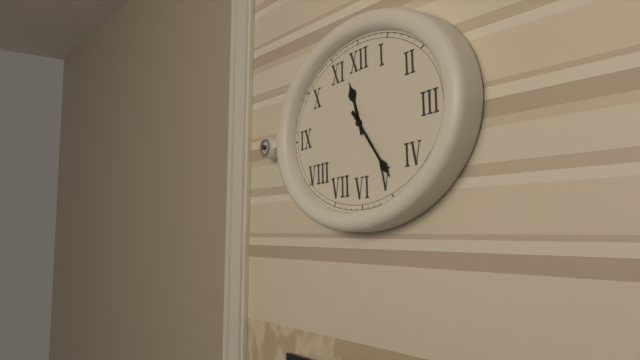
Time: {"hour": 11, "minute": 24}
